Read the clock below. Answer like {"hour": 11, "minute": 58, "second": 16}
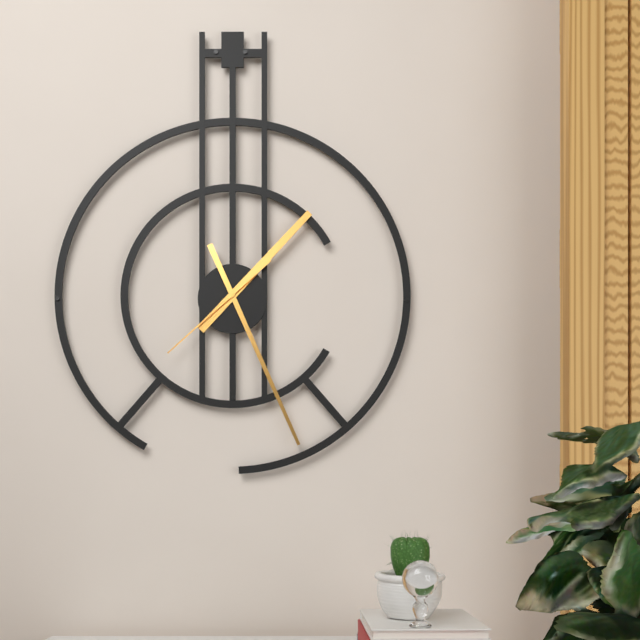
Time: {"hour": 1, "minute": 26, "second": 38}
